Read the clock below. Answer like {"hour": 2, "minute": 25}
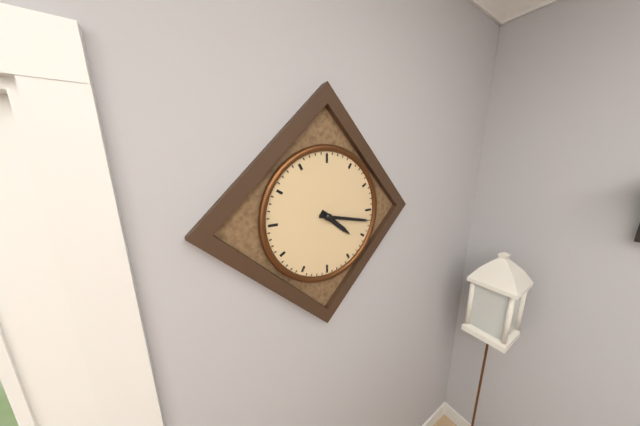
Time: {"hour": 4, "minute": 17}
